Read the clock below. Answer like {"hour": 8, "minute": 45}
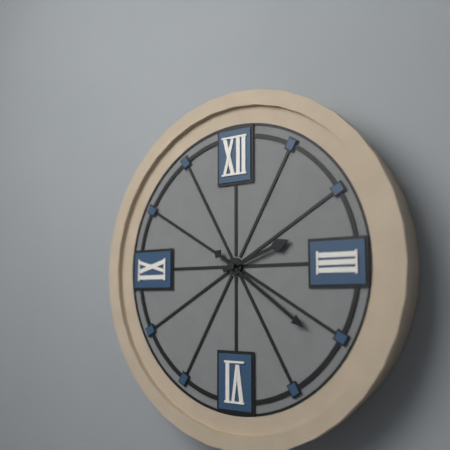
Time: {"hour": 2, "minute": 21}
